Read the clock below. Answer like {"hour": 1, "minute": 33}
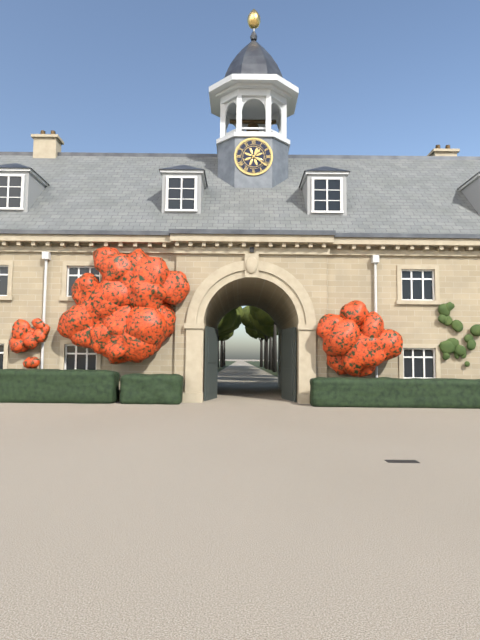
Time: {"hour": 1, "minute": 21}
